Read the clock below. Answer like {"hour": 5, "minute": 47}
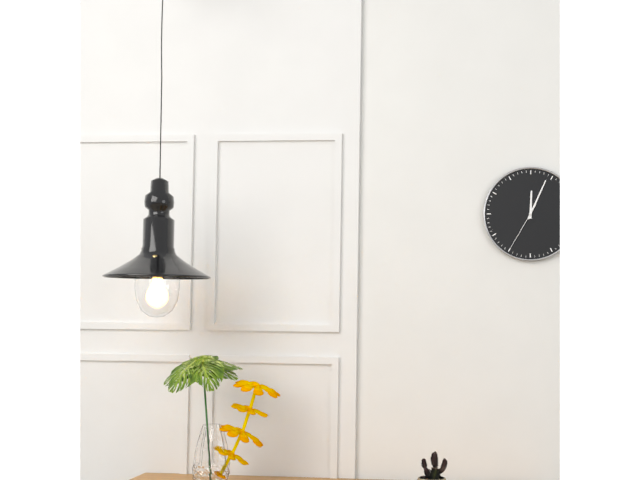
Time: {"hour": 12, "minute": 4}
